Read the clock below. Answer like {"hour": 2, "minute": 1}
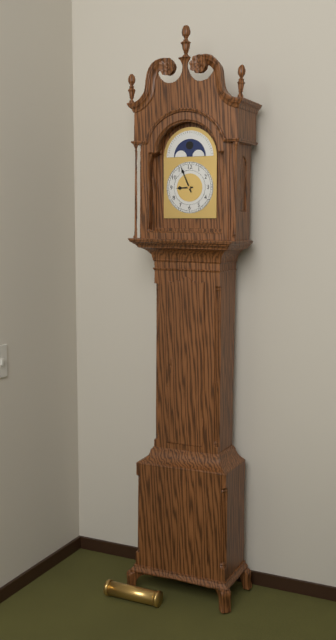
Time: {"hour": 8, "minute": 56}
